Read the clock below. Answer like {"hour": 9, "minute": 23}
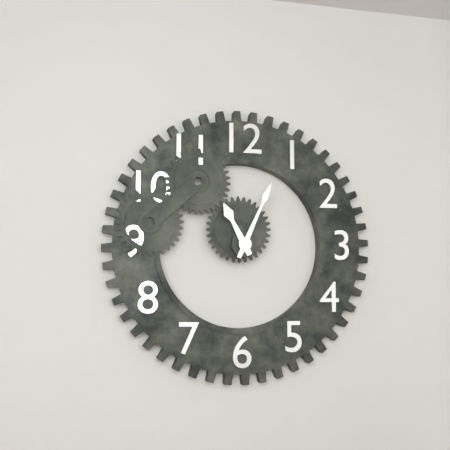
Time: {"hour": 11, "minute": 4}
